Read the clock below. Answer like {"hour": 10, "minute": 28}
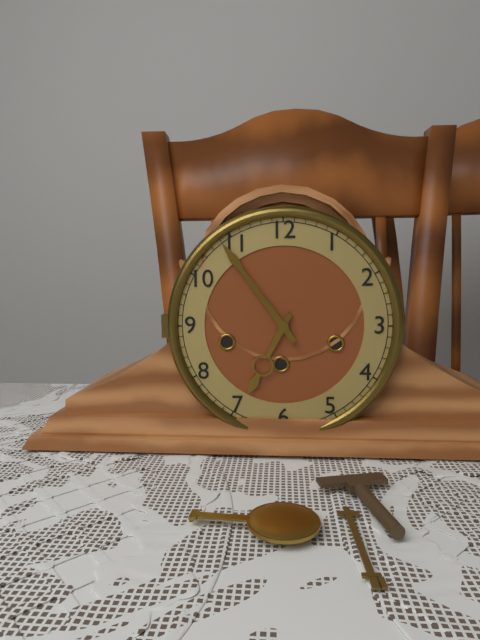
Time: {"hour": 6, "minute": 54}
